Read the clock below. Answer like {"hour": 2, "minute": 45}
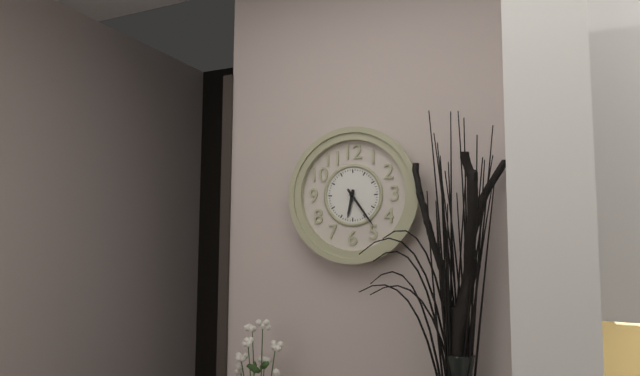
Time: {"hour": 6, "minute": 24}
